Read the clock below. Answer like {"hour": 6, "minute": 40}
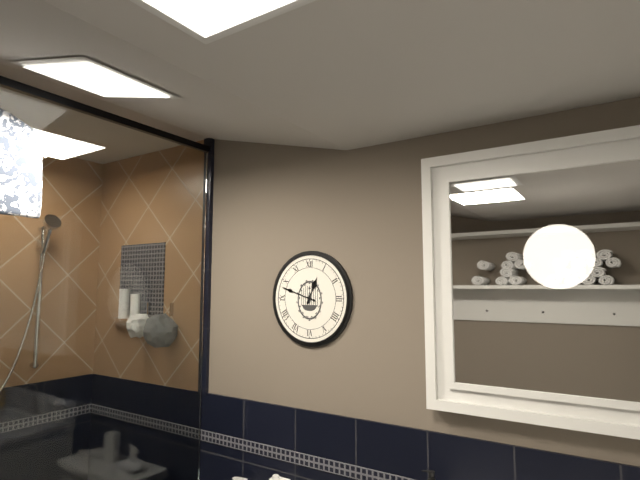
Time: {"hour": 12, "minute": 48}
